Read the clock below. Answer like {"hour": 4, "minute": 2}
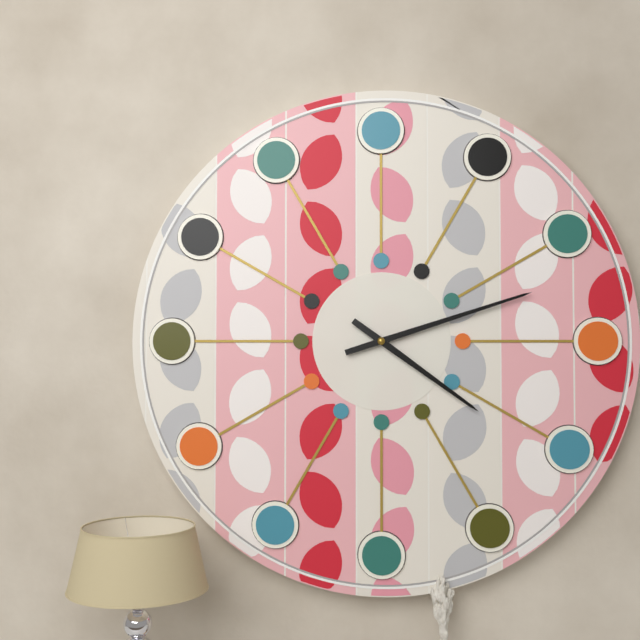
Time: {"hour": 4, "minute": 12}
